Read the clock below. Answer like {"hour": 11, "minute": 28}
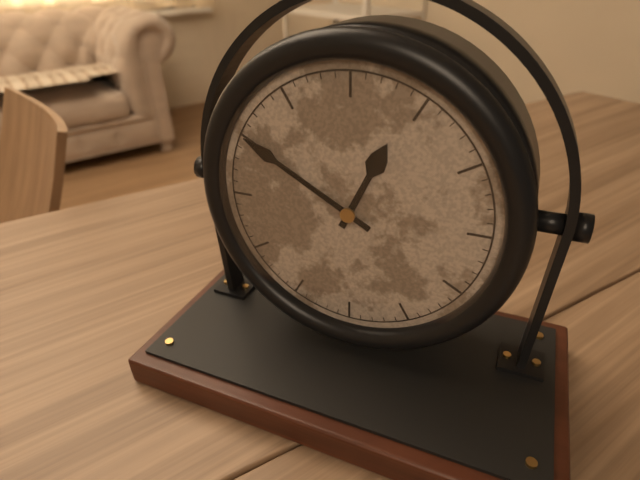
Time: {"hour": 12, "minute": 50}
